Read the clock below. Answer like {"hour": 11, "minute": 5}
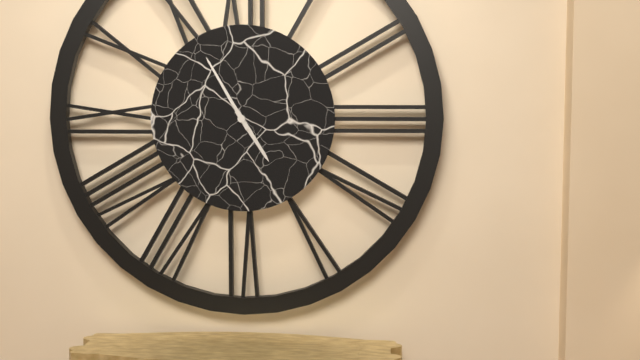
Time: {"hour": 4, "minute": 55}
